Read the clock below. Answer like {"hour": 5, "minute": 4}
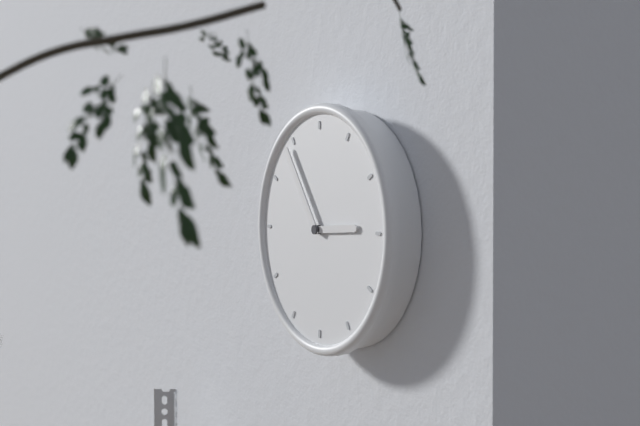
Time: {"hour": 2, "minute": 54}
